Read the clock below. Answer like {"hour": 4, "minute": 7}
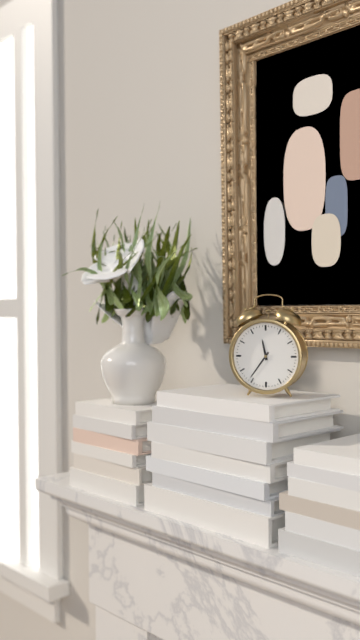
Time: {"hour": 11, "minute": 36}
